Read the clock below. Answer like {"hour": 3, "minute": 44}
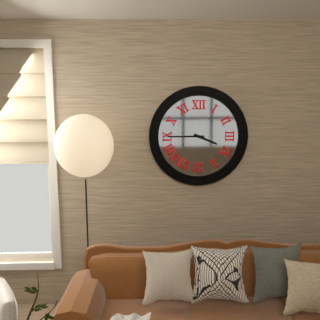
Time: {"hour": 3, "minute": 45}
